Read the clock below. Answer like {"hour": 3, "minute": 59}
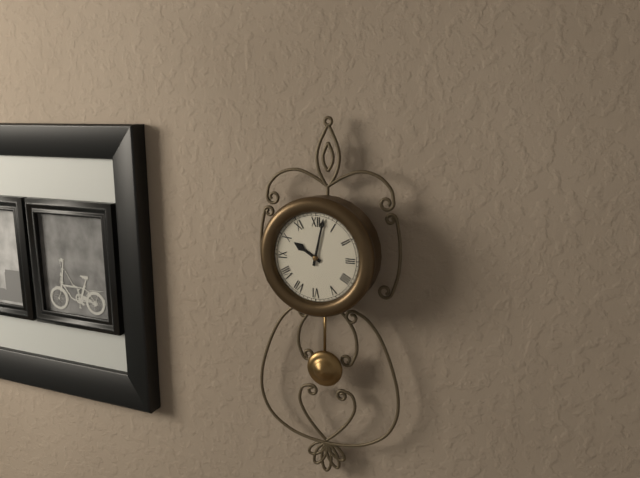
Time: {"hour": 10, "minute": 2}
